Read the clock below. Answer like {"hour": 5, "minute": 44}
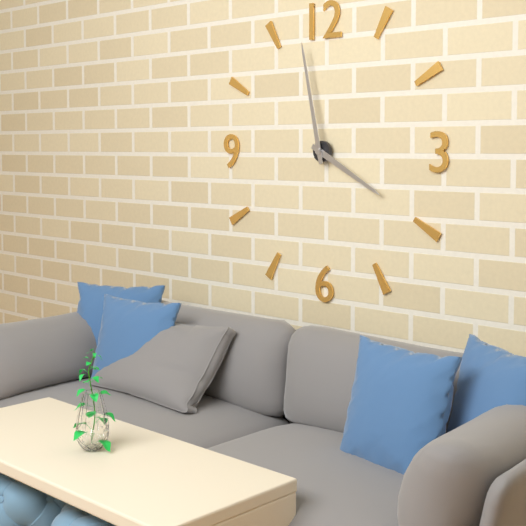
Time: {"hour": 3, "minute": 58}
